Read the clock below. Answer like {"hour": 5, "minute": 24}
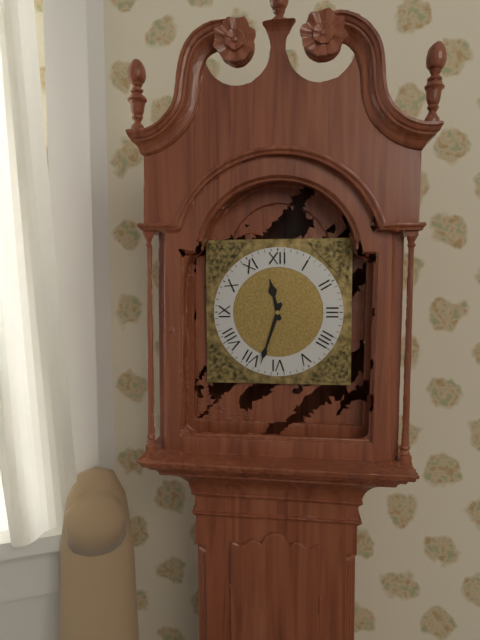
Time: {"hour": 11, "minute": 33}
